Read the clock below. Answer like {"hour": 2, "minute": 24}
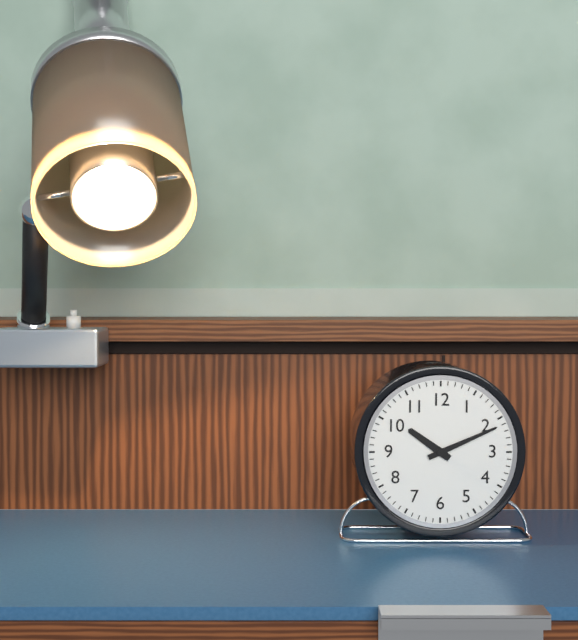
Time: {"hour": 10, "minute": 11}
